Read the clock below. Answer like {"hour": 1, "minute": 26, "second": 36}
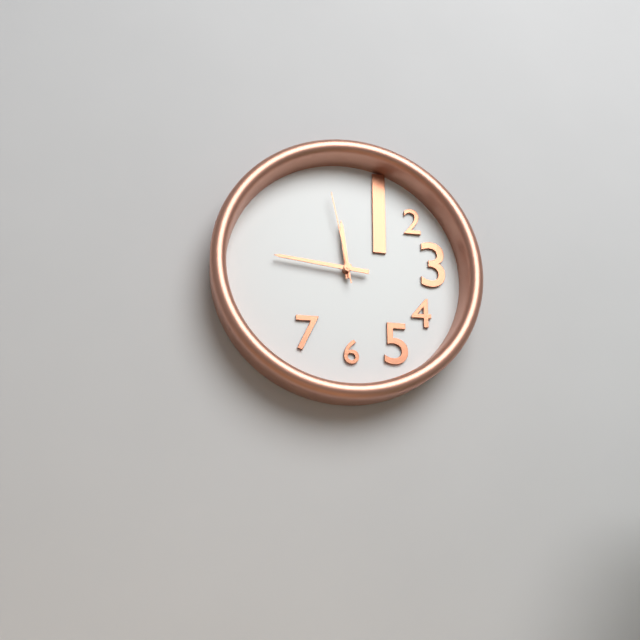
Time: {"hour": 11, "minute": 46, "second": 58}
